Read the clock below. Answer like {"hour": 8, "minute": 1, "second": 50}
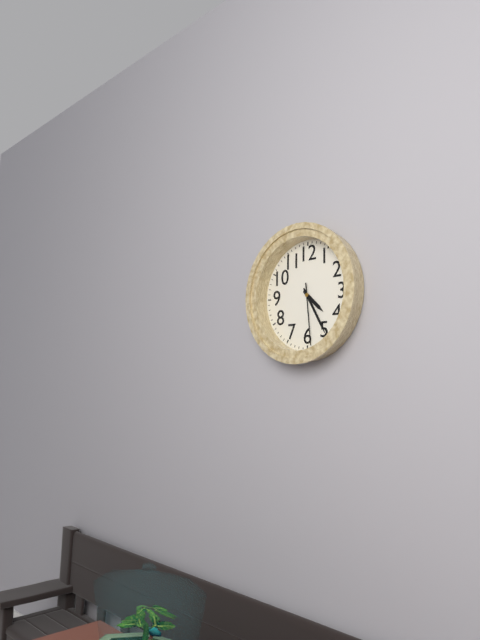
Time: {"hour": 4, "minute": 25, "second": 29}
